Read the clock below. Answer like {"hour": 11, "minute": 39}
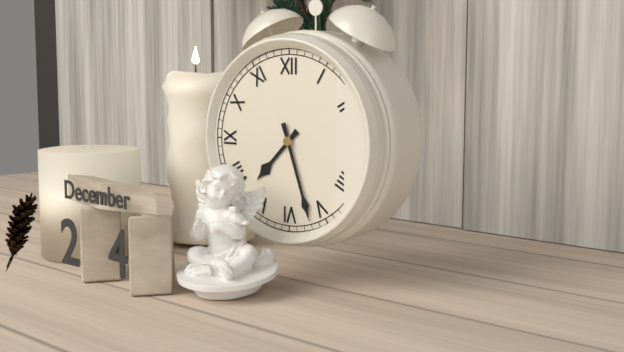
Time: {"hour": 7, "minute": 27}
